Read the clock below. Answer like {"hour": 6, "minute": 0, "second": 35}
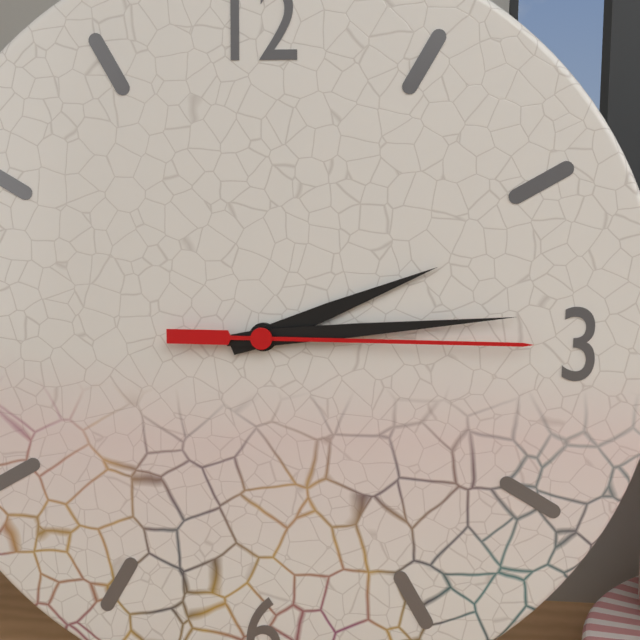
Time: {"hour": 2, "minute": 14, "second": 15}
